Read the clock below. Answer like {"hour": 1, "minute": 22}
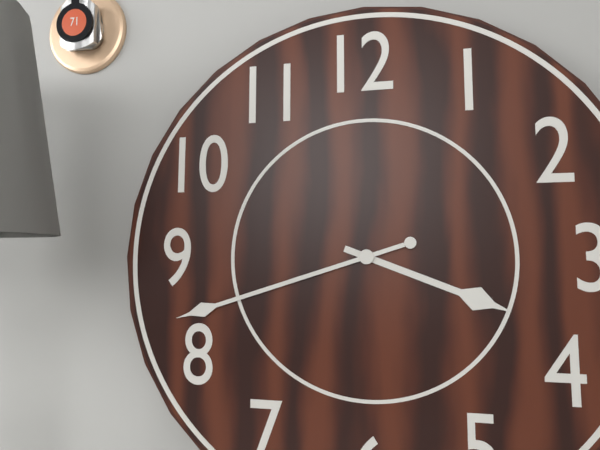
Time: {"hour": 3, "minute": 42}
